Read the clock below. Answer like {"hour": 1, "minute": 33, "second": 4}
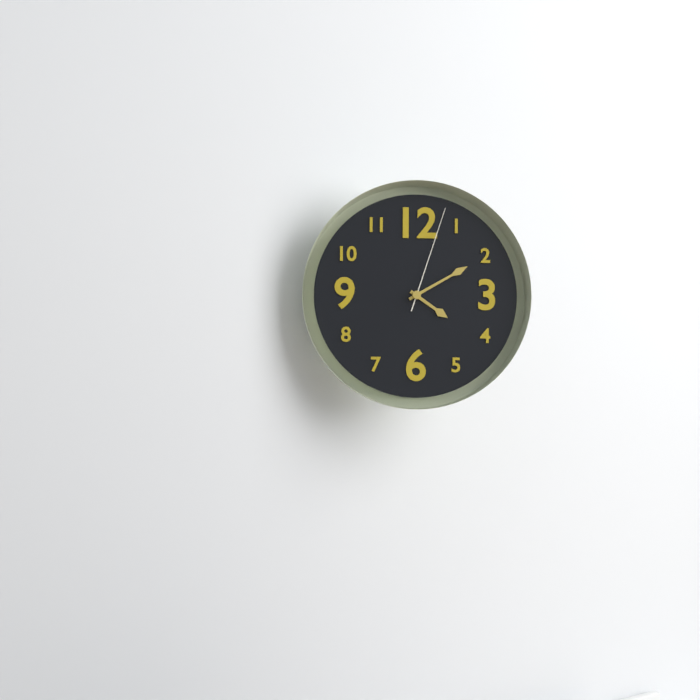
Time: {"hour": 4, "minute": 10, "second": 3}
